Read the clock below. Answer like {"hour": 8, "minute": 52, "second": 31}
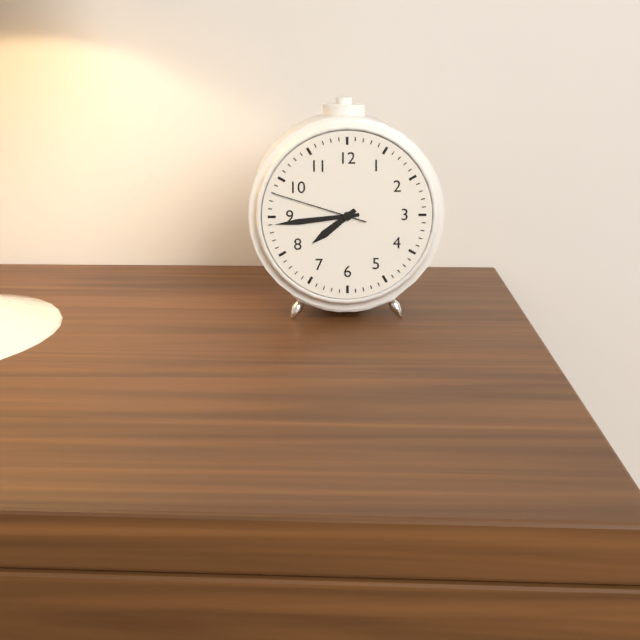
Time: {"hour": 7, "minute": 44, "second": 48}
